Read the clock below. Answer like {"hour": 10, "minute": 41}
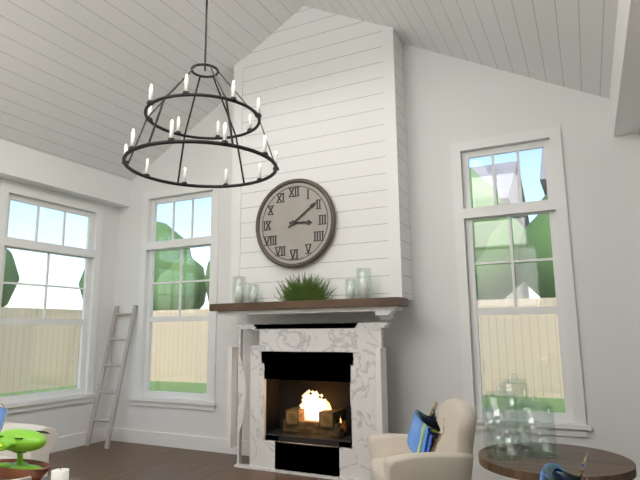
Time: {"hour": 3, "minute": 9}
